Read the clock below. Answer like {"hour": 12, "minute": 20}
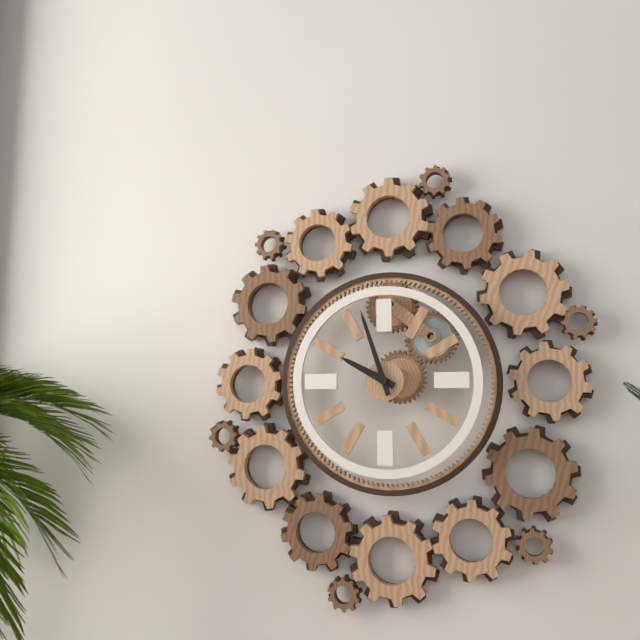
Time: {"hour": 9, "minute": 57}
